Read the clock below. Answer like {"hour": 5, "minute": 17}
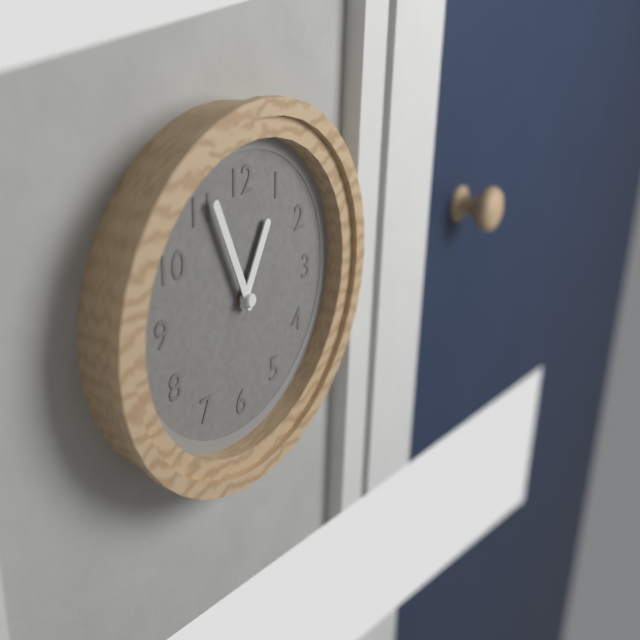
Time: {"hour": 12, "minute": 56}
